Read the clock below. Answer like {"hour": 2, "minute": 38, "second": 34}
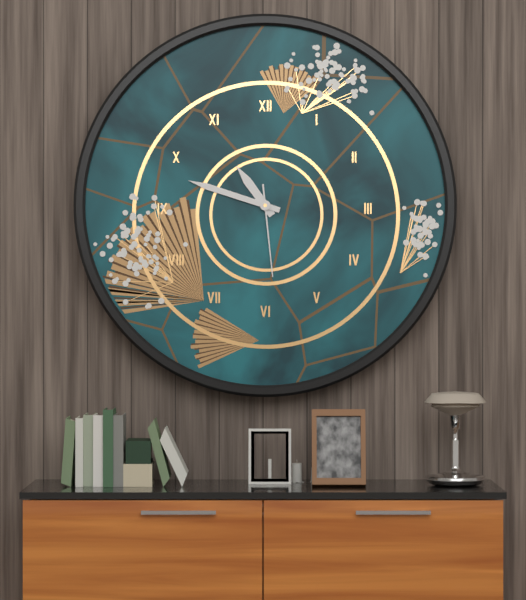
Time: {"hour": 10, "minute": 48, "second": 29}
